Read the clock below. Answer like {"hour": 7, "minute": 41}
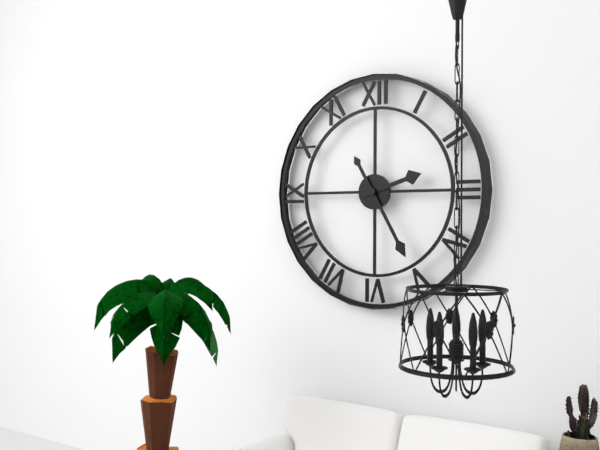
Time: {"hour": 2, "minute": 25}
